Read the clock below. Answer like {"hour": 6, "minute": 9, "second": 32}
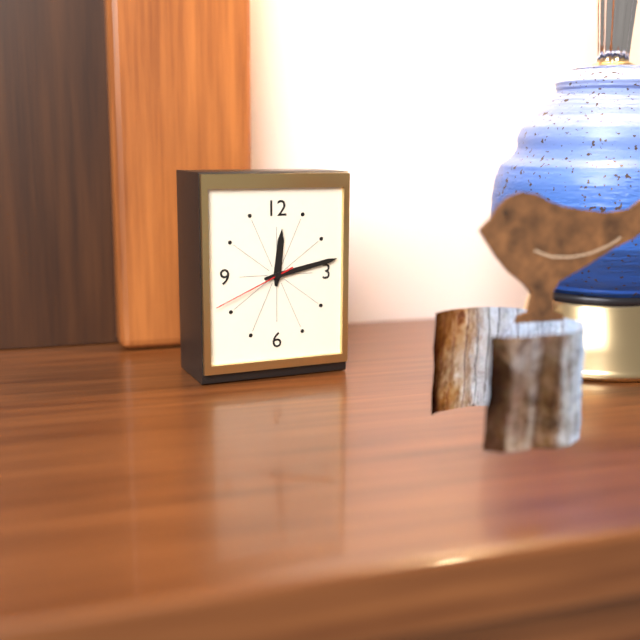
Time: {"hour": 12, "minute": 13, "second": 41}
